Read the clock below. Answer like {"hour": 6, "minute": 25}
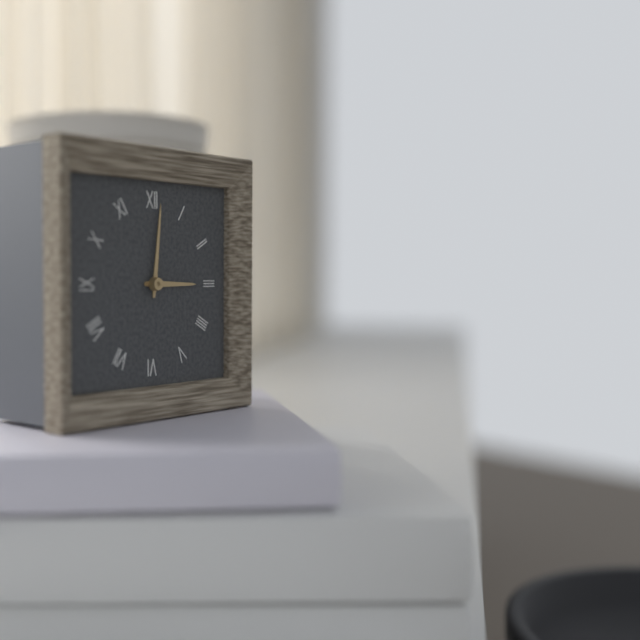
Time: {"hour": 3, "minute": 1}
